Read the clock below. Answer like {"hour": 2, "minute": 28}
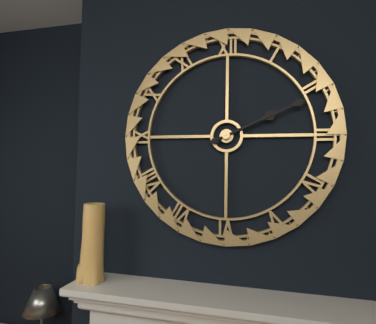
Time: {"hour": 2, "minute": 11}
